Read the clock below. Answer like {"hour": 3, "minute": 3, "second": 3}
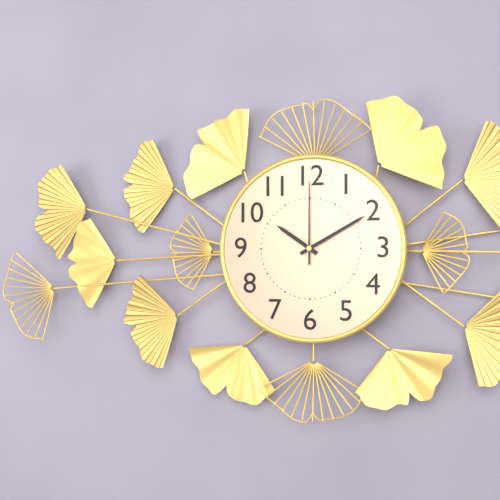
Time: {"hour": 10, "minute": 10, "second": 0}
